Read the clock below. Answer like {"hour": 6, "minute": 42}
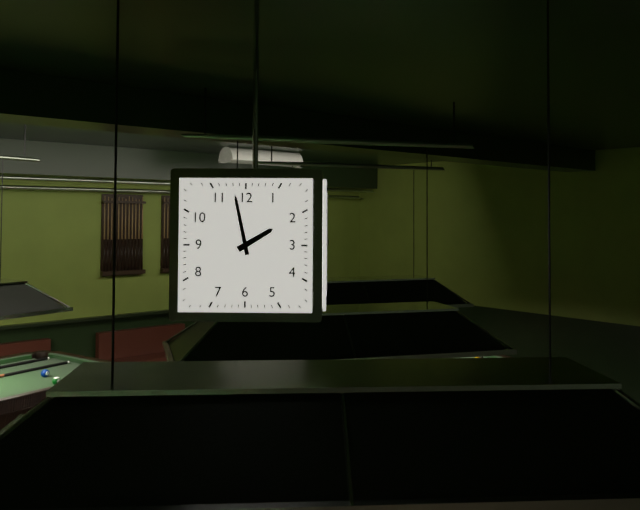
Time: {"hour": 1, "minute": 58}
